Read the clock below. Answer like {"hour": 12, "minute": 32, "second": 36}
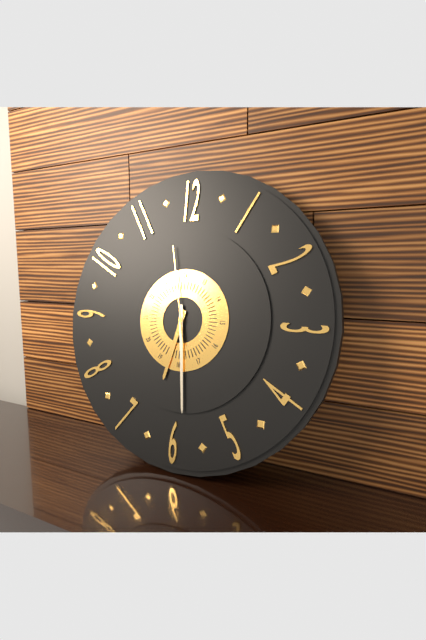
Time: {"hour": 6, "minute": 29, "second": 58}
